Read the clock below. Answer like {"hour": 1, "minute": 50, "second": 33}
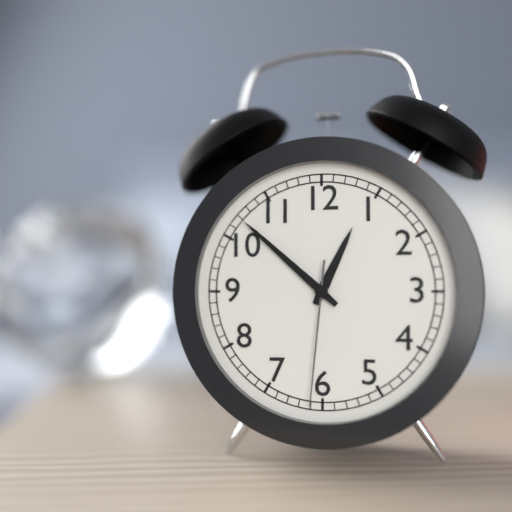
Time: {"hour": 12, "minute": 52, "second": 31}
